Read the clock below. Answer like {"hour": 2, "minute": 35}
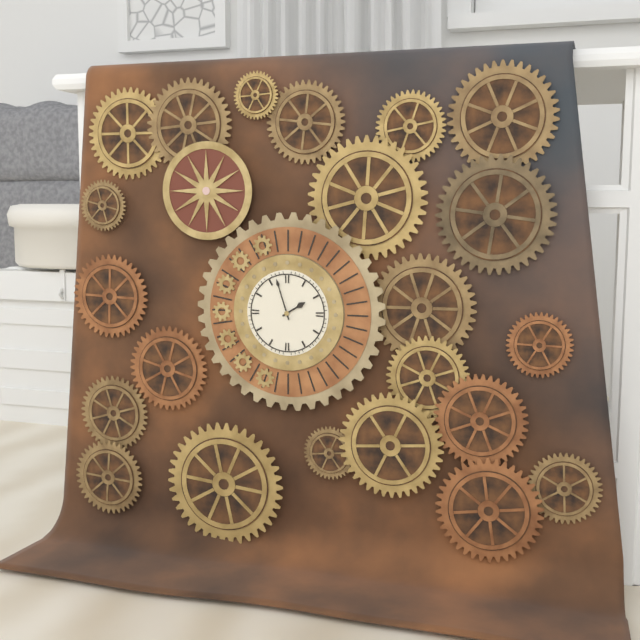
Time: {"hour": 1, "minute": 57}
